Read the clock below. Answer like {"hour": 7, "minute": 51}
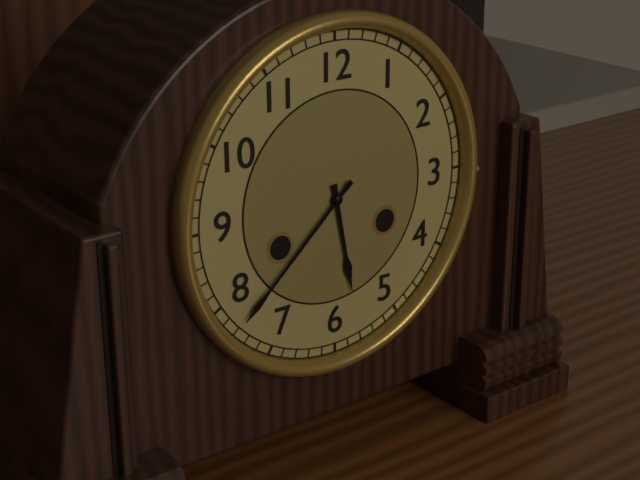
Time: {"hour": 5, "minute": 38}
